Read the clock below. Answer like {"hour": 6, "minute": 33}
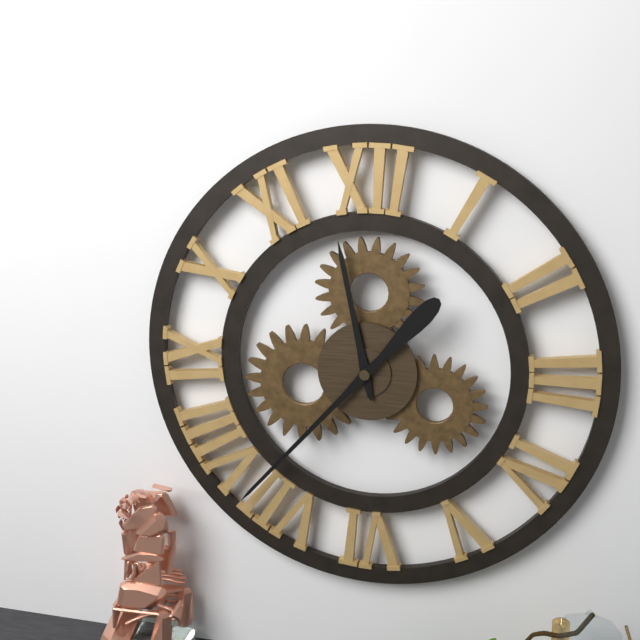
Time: {"hour": 11, "minute": 37}
